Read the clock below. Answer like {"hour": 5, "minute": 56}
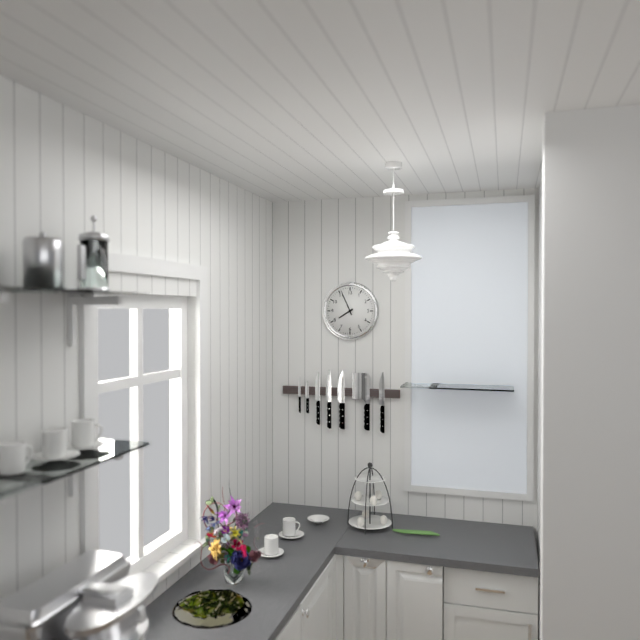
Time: {"hour": 7, "minute": 56}
